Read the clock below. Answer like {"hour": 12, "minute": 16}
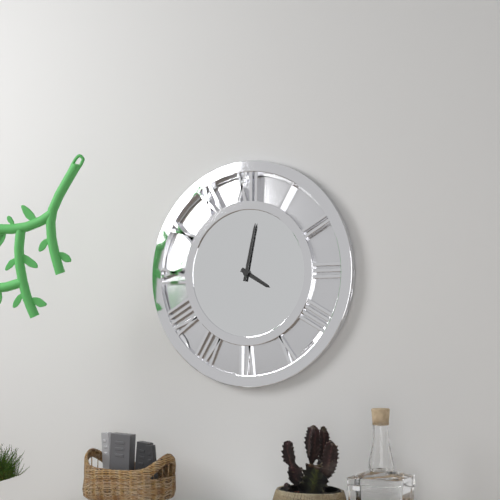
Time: {"hour": 4, "minute": 2}
